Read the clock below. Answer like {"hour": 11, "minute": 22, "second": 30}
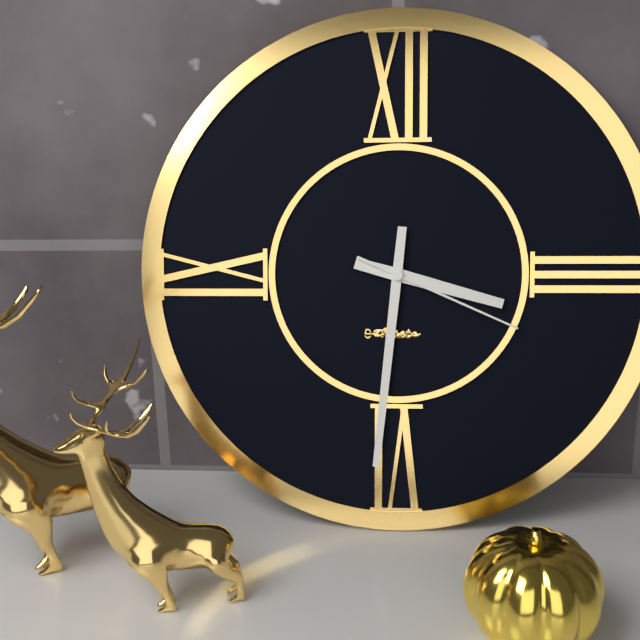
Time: {"hour": 3, "minute": 31, "second": 19}
